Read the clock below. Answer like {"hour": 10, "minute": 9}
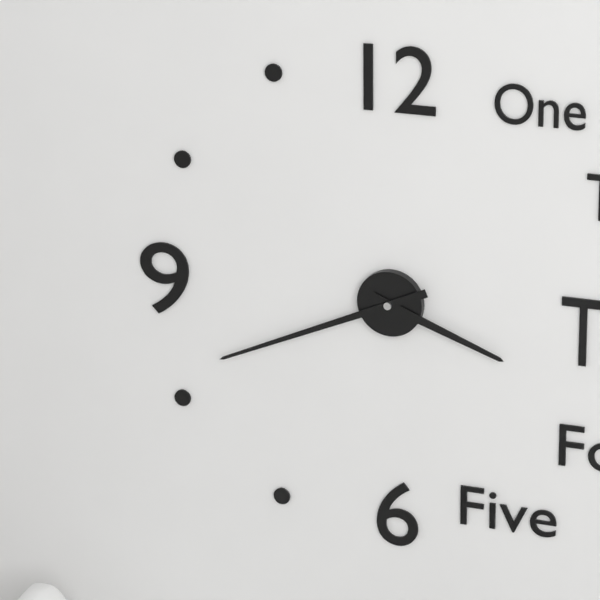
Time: {"hour": 3, "minute": 41}
